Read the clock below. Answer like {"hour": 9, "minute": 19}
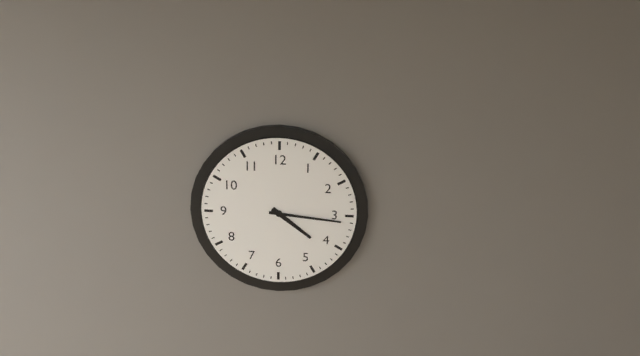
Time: {"hour": 4, "minute": 16}
